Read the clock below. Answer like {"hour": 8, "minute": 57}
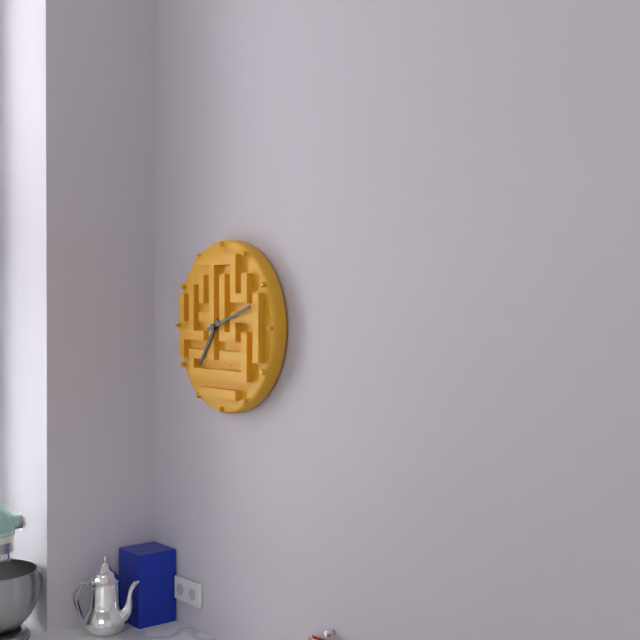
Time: {"hour": 7, "minute": 12}
